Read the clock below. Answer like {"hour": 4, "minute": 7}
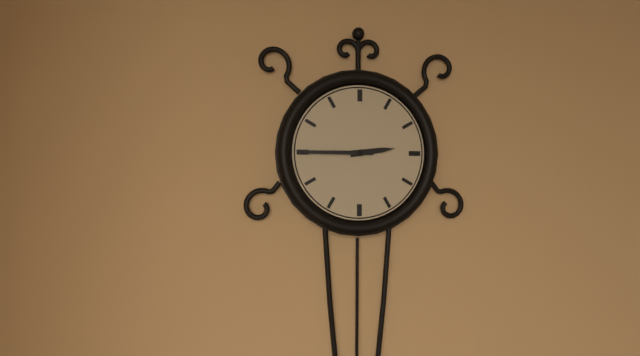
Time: {"hour": 2, "minute": 45}
